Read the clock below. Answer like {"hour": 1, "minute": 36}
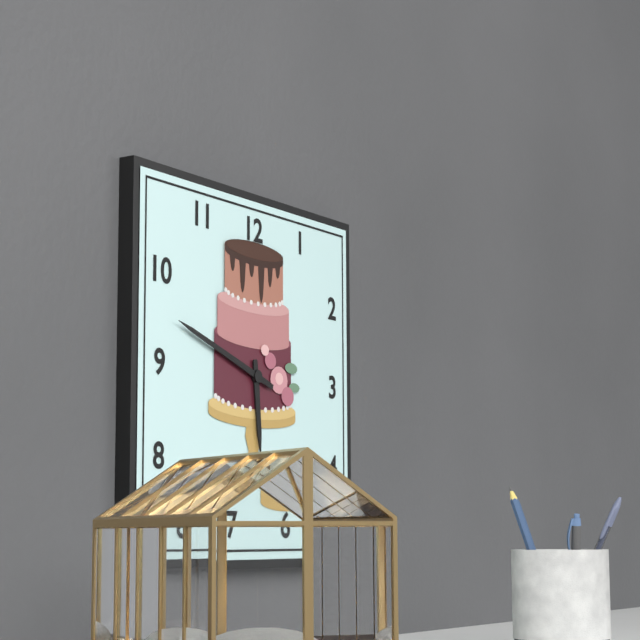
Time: {"hour": 5, "minute": 48}
